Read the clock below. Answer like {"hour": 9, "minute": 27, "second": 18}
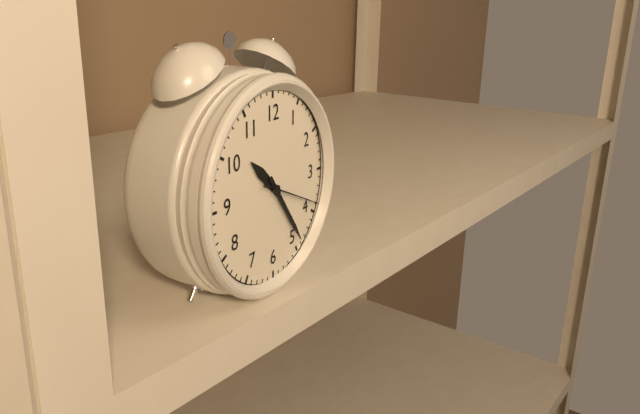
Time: {"hour": 10, "minute": 24, "second": 19}
